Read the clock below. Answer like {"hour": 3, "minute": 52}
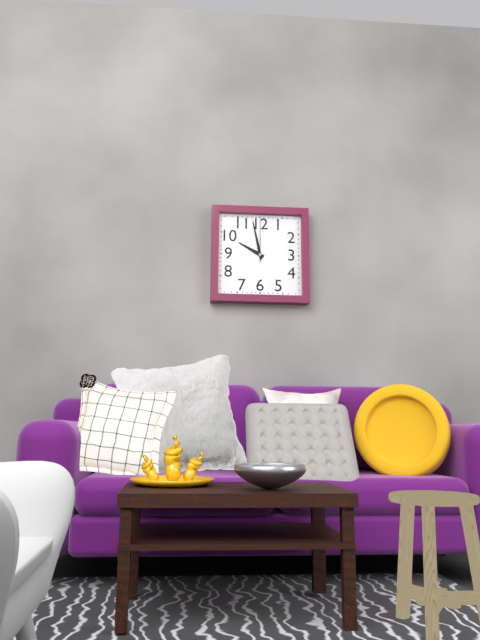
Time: {"hour": 9, "minute": 58}
